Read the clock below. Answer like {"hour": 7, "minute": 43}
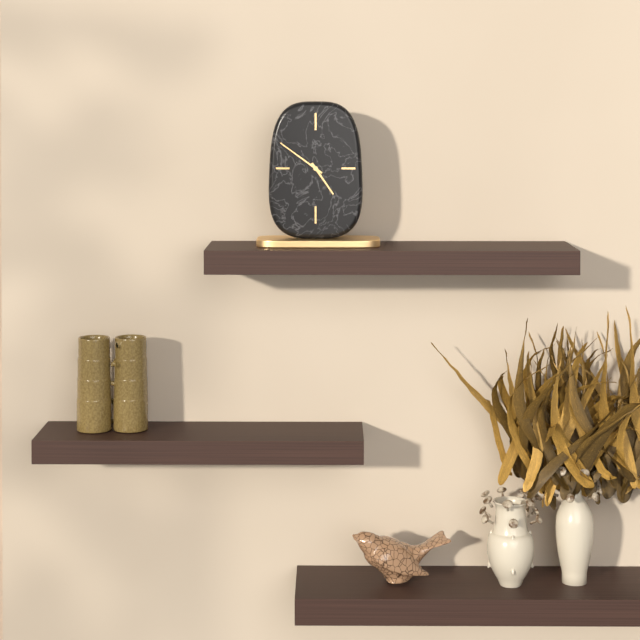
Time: {"hour": 4, "minute": 51}
